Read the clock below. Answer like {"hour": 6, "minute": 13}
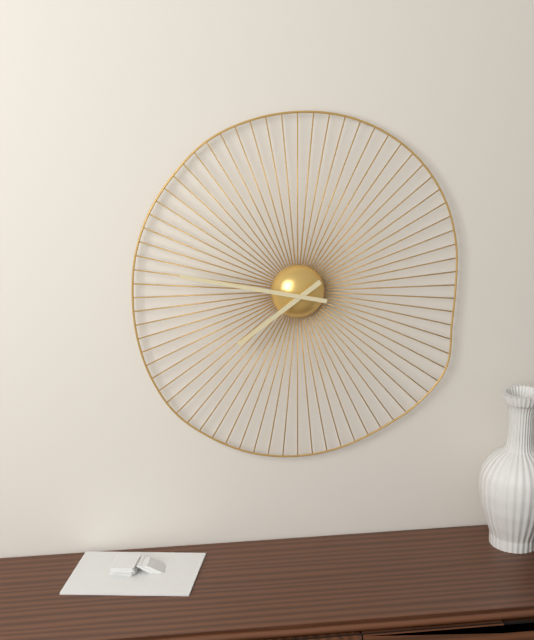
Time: {"hour": 7, "minute": 47}
